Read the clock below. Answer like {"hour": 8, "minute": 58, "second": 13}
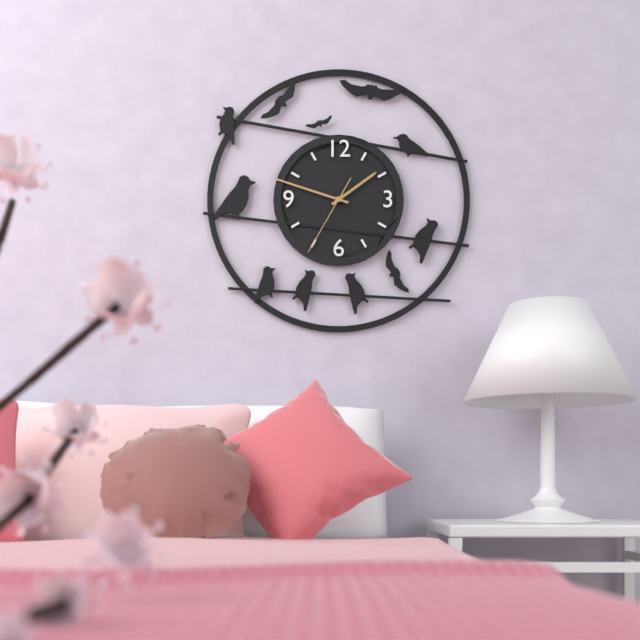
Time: {"hour": 1, "minute": 48, "second": 35}
